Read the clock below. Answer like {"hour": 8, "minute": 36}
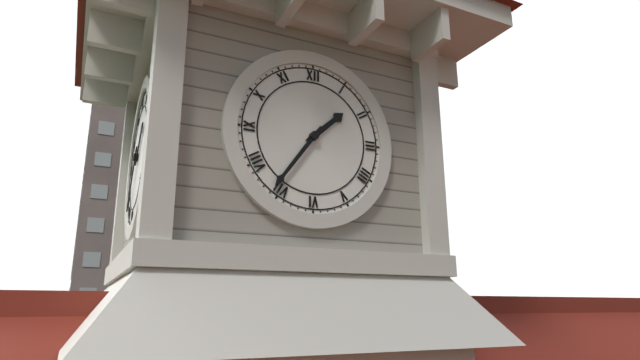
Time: {"hour": 1, "minute": 36}
